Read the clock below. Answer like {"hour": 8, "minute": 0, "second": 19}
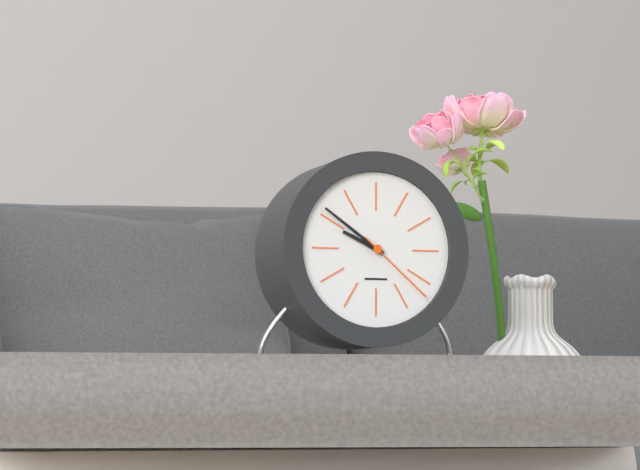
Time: {"hour": 9, "minute": 51, "second": 22}
